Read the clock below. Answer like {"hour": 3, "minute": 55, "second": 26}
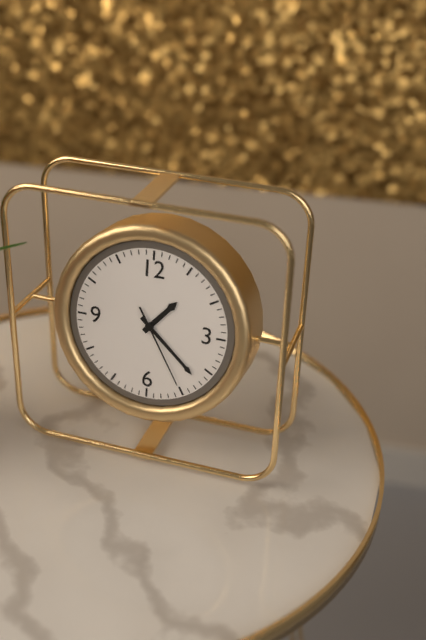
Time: {"hour": 1, "minute": 22, "second": 25}
